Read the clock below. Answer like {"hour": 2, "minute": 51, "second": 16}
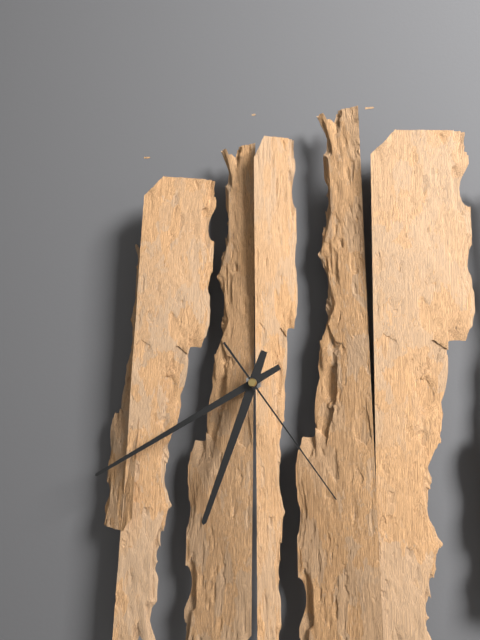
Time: {"hour": 6, "minute": 40, "second": 24}
